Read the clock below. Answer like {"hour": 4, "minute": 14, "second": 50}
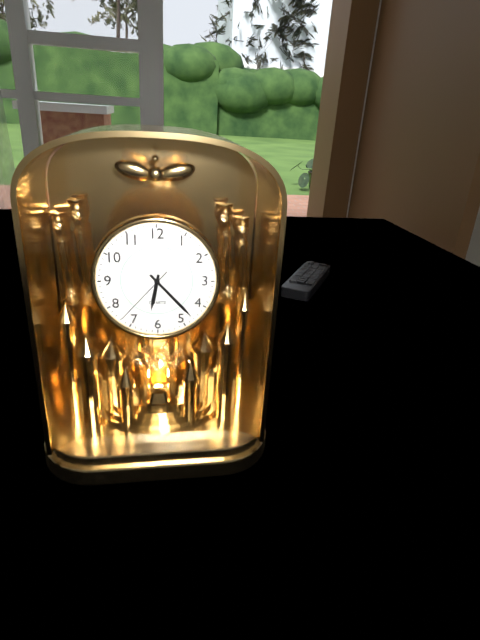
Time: {"hour": 6, "minute": 23, "second": 37}
